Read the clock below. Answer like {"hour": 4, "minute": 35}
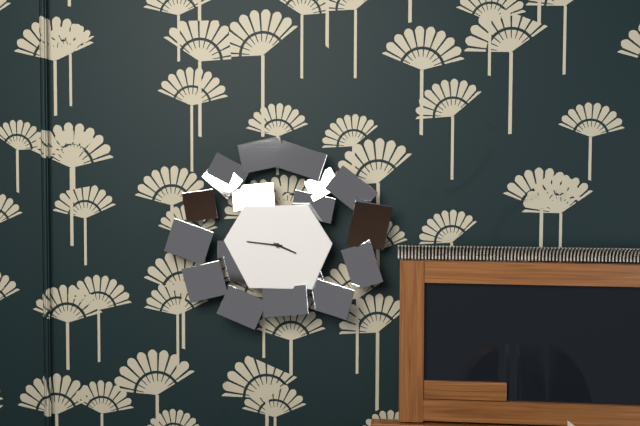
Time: {"hour": 3, "minute": 46}
